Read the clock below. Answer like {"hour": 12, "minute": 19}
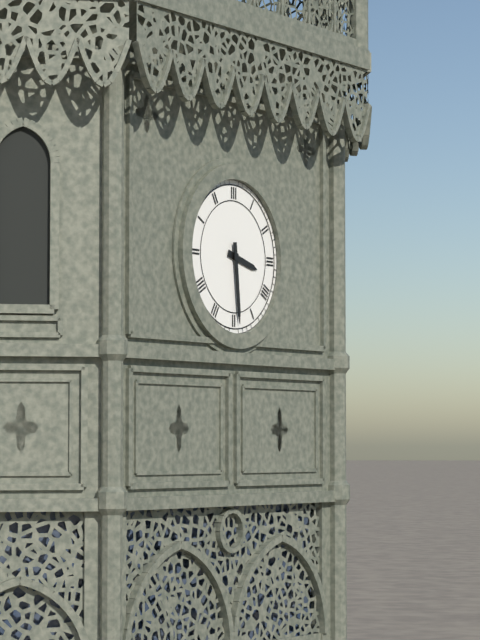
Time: {"hour": 3, "minute": 29}
